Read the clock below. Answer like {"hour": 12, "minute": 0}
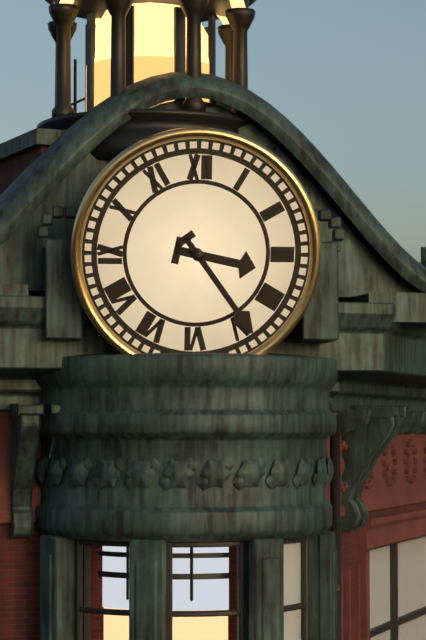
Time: {"hour": 3, "minute": 24}
